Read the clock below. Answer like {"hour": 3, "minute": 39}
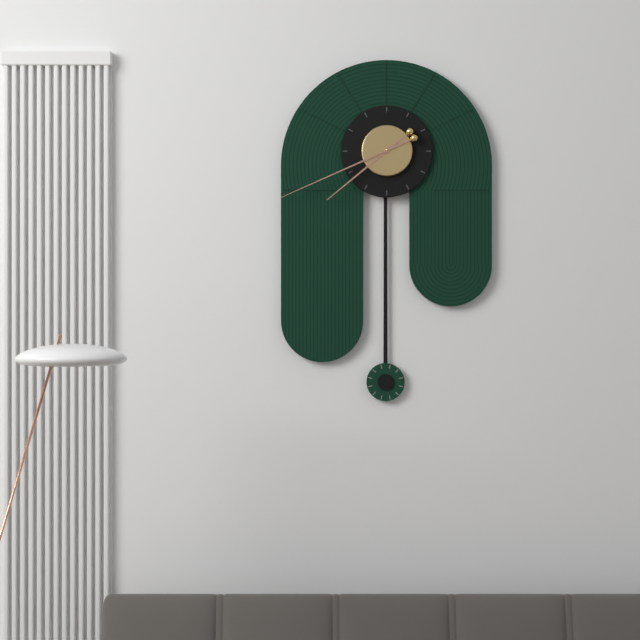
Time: {"hour": 7, "minute": 41}
